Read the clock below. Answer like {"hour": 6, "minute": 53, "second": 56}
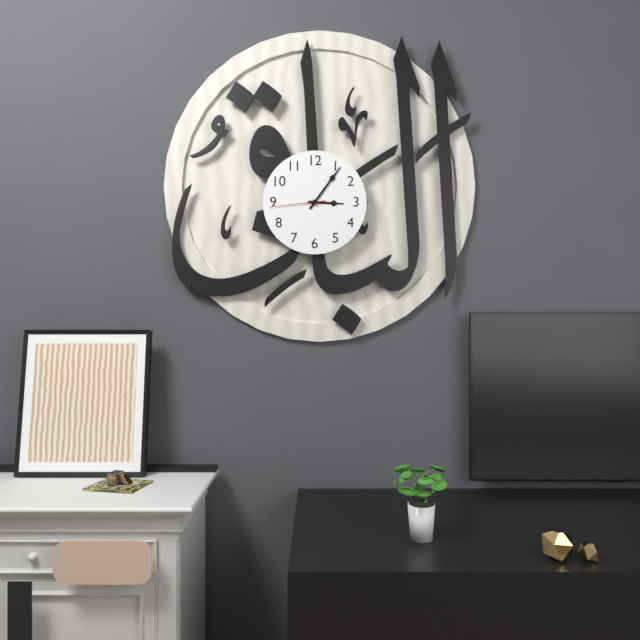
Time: {"hour": 3, "minute": 6, "second": 44}
